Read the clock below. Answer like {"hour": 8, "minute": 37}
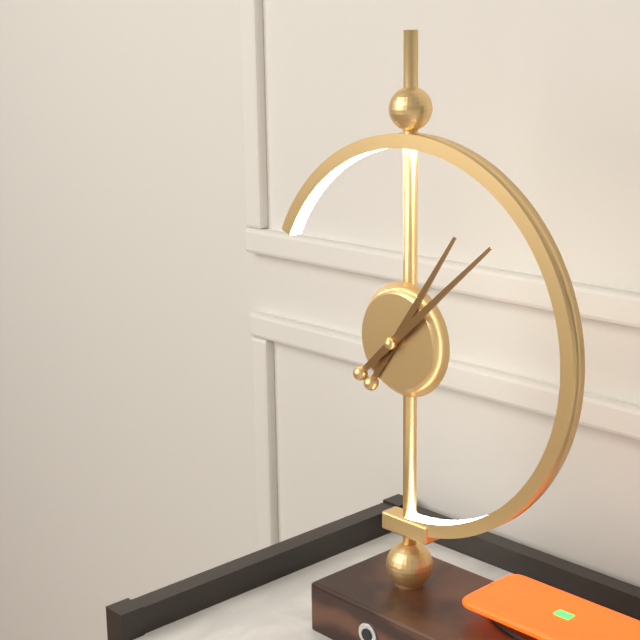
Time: {"hour": 1, "minute": 8}
